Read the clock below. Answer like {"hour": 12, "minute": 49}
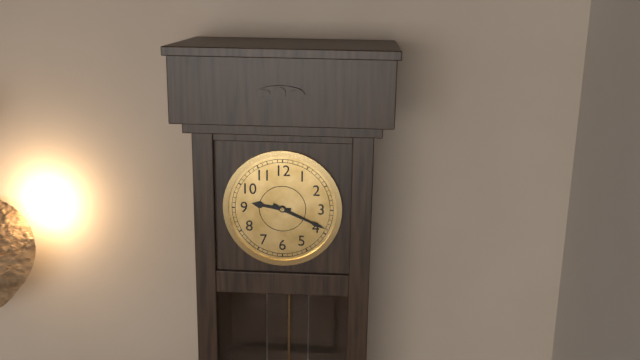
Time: {"hour": 9, "minute": 19}
